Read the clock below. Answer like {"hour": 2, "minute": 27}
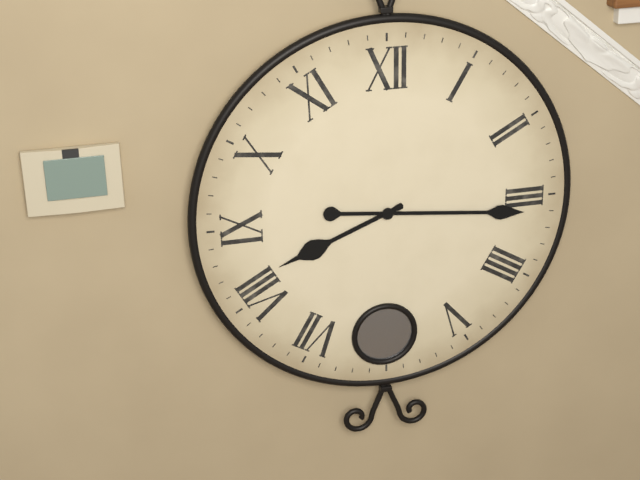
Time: {"hour": 8, "minute": 16}
